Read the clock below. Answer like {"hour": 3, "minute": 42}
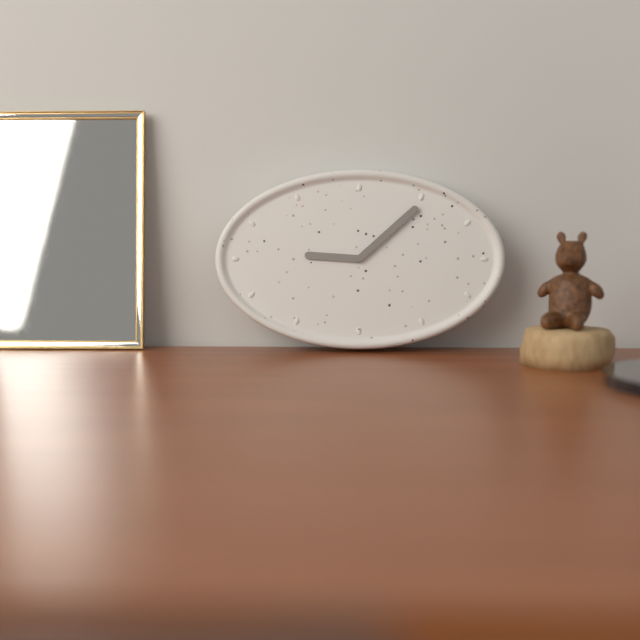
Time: {"hour": 9, "minute": 8}
